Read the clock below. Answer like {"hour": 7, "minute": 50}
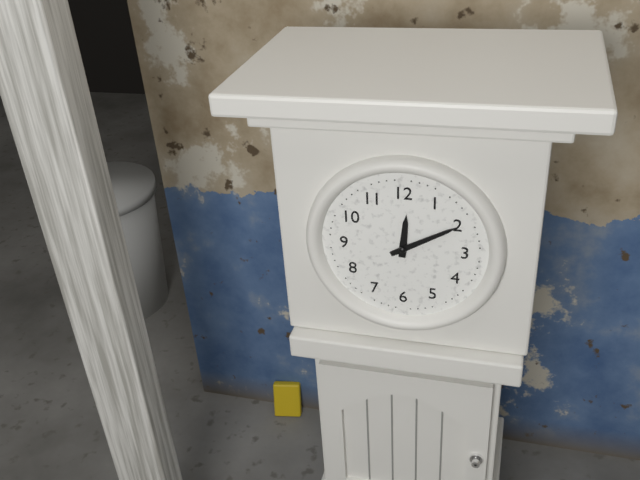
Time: {"hour": 12, "minute": 10}
